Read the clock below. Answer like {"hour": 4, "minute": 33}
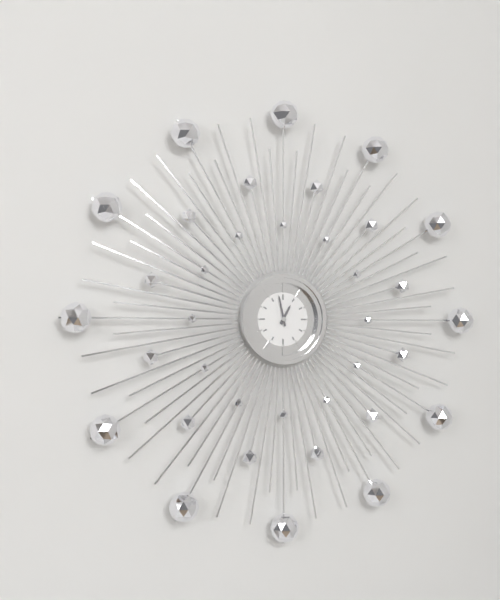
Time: {"hour": 12, "minute": 58}
